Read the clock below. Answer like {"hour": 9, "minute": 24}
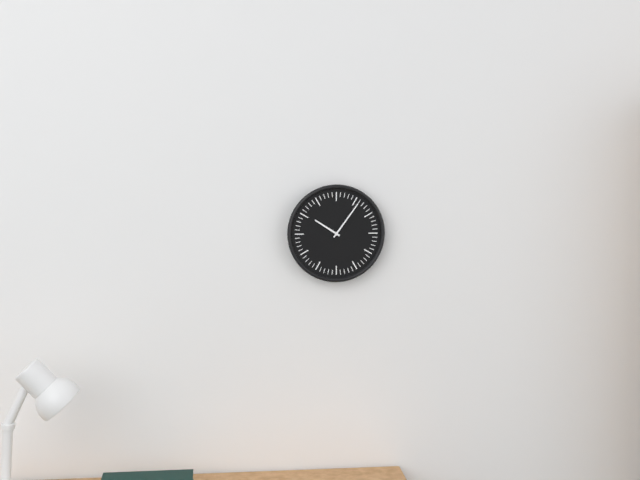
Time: {"hour": 10, "minute": 6}
